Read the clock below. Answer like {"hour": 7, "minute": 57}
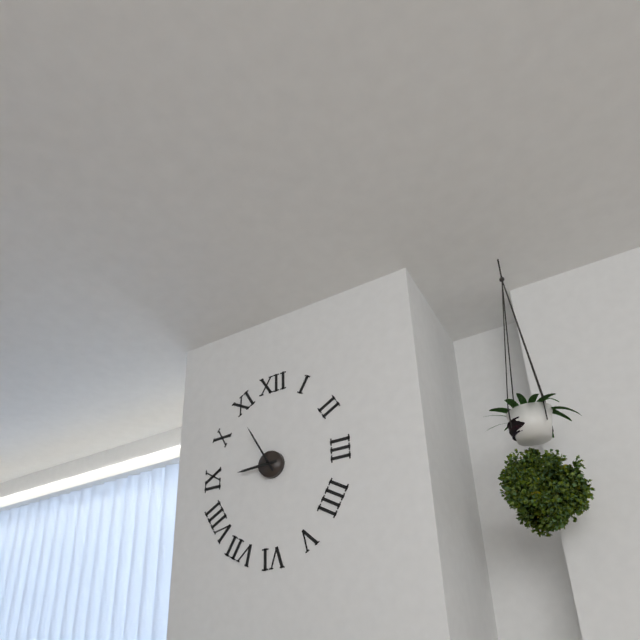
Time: {"hour": 8, "minute": 55}
